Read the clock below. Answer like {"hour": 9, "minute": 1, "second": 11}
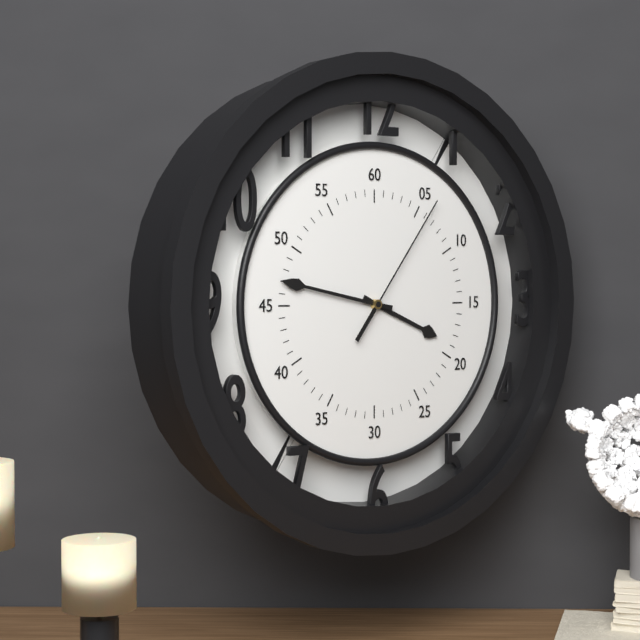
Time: {"hour": 3, "minute": 47, "second": 6}
